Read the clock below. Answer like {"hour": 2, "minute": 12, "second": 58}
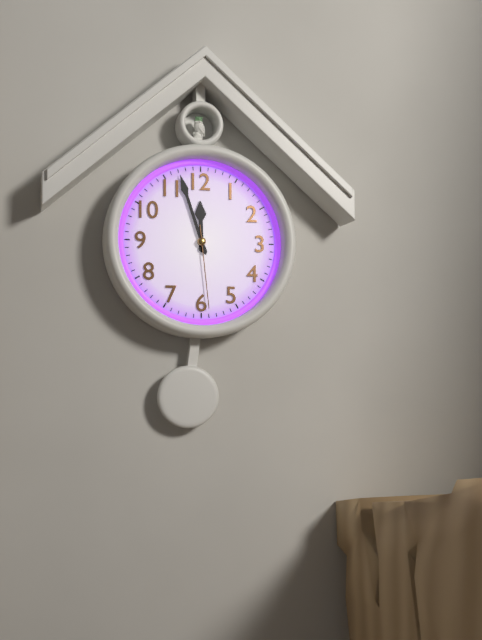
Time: {"hour": 11, "minute": 57, "second": 29}
